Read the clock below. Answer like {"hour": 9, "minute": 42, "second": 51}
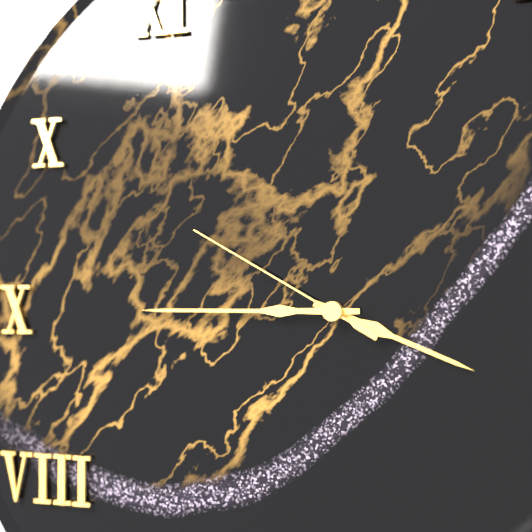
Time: {"hour": 3, "minute": 45, "second": 50}
